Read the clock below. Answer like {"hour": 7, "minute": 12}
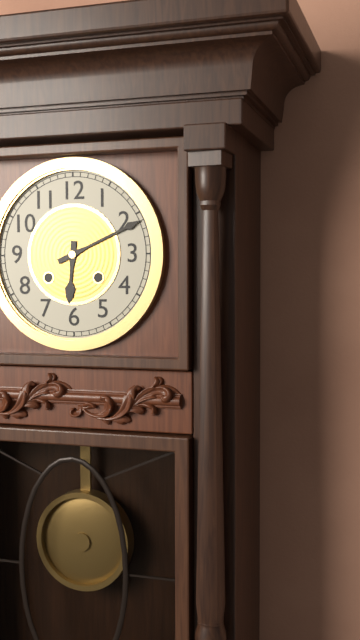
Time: {"hour": 6, "minute": 11}
